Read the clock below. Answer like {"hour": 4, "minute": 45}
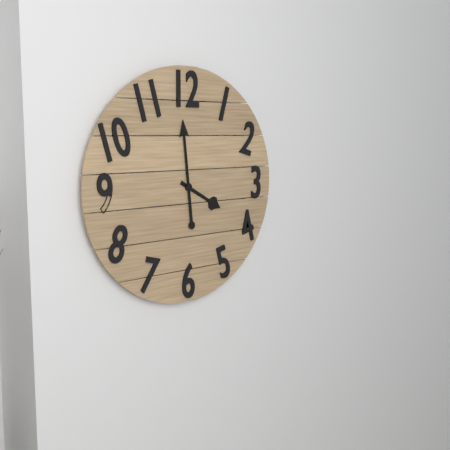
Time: {"hour": 3, "minute": 59}
